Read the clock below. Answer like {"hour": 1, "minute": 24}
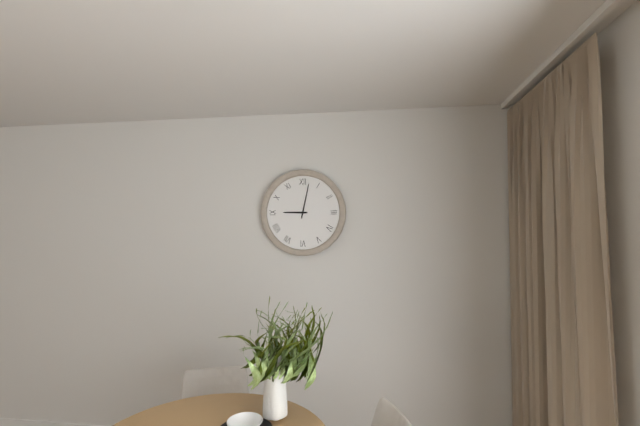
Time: {"hour": 9, "minute": 2}
